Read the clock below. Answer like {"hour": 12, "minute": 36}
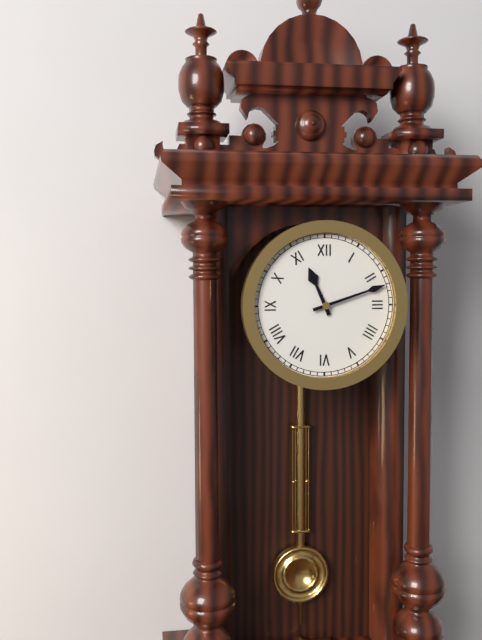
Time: {"hour": 11, "minute": 12}
